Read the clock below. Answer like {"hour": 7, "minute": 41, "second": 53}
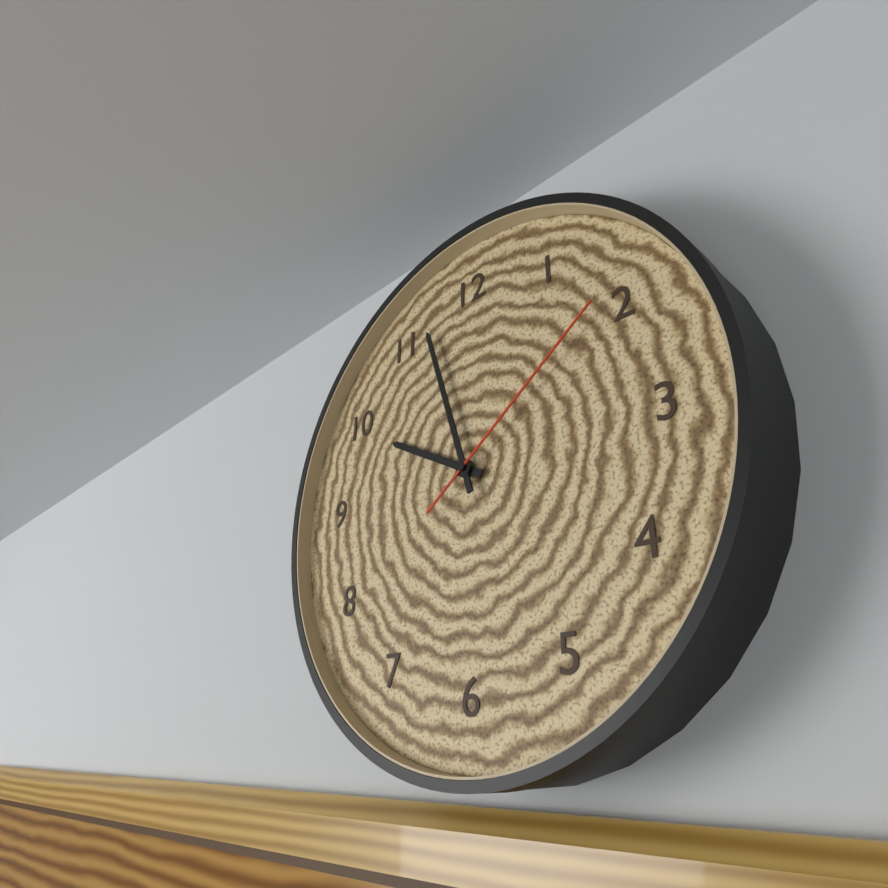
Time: {"hour": 9, "minute": 57, "second": 9}
